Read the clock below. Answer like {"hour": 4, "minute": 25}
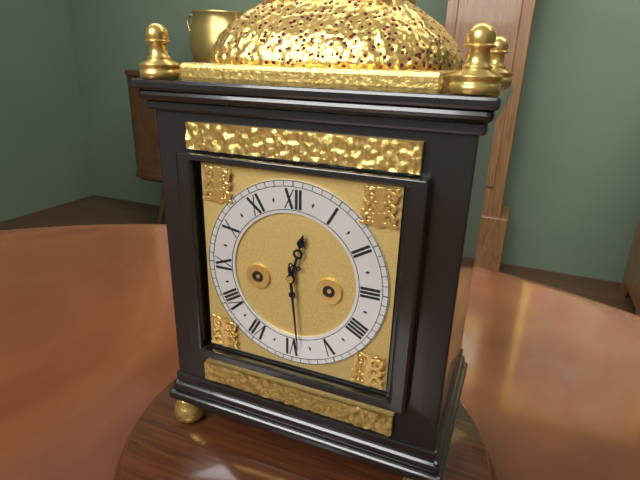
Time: {"hour": 12, "minute": 29}
